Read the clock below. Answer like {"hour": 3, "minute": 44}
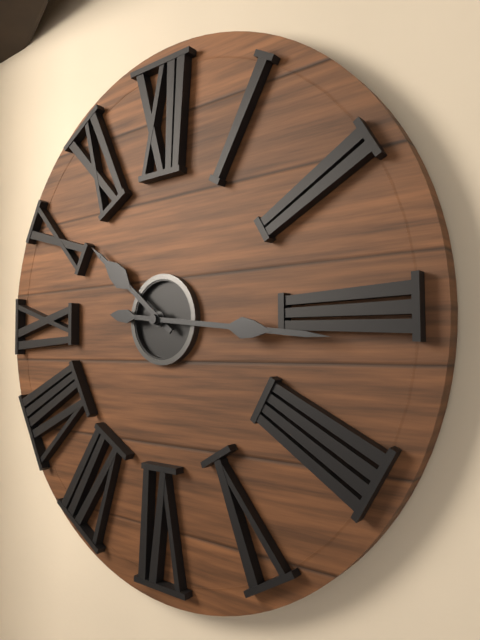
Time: {"hour": 10, "minute": 16}
